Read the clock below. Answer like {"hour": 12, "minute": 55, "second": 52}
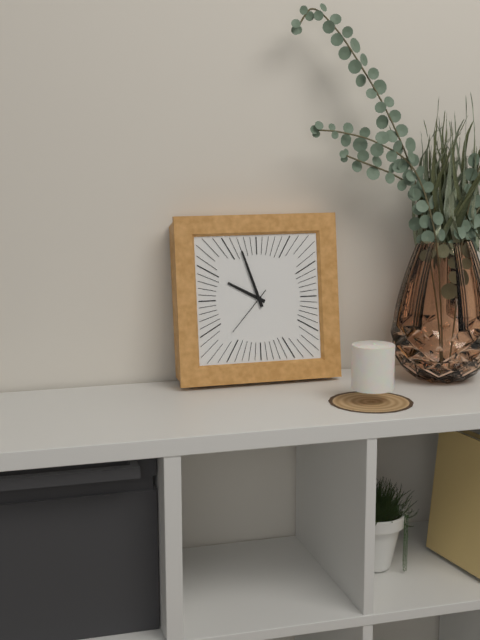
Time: {"hour": 9, "minute": 57, "second": 37}
